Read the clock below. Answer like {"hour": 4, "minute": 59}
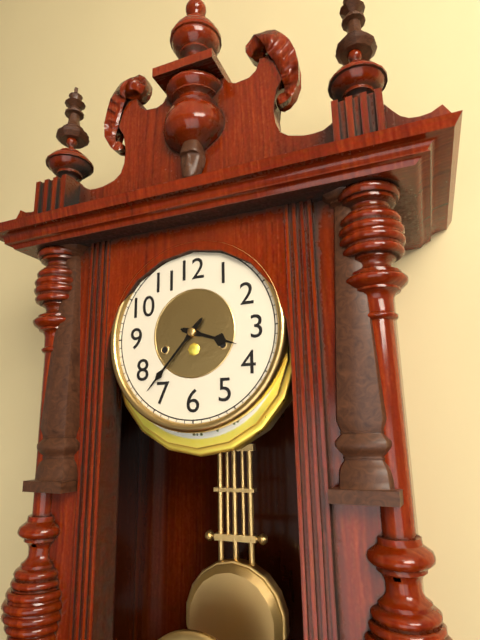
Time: {"hour": 3, "minute": 37}
